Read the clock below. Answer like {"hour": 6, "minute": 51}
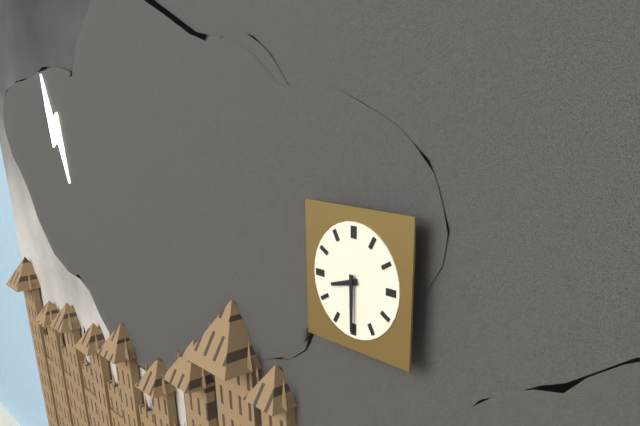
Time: {"hour": 8, "minute": 30}
